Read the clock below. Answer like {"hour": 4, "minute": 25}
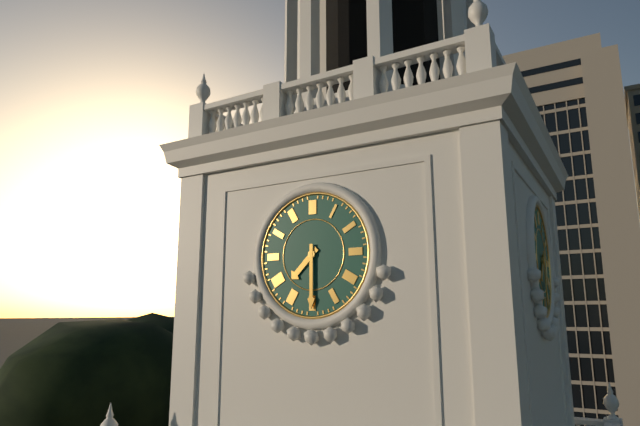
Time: {"hour": 7, "minute": 30}
